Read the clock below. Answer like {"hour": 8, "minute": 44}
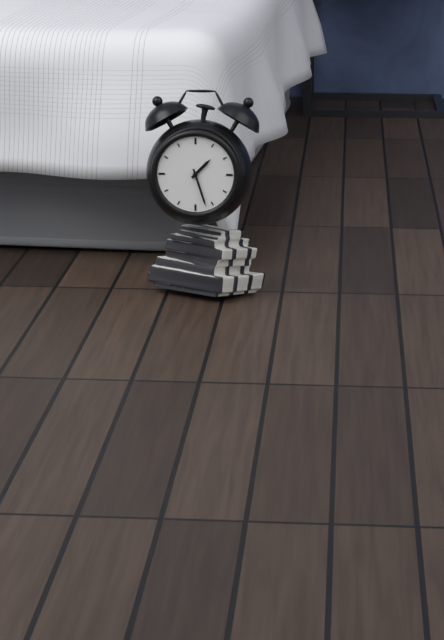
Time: {"hour": 1, "minute": 27}
